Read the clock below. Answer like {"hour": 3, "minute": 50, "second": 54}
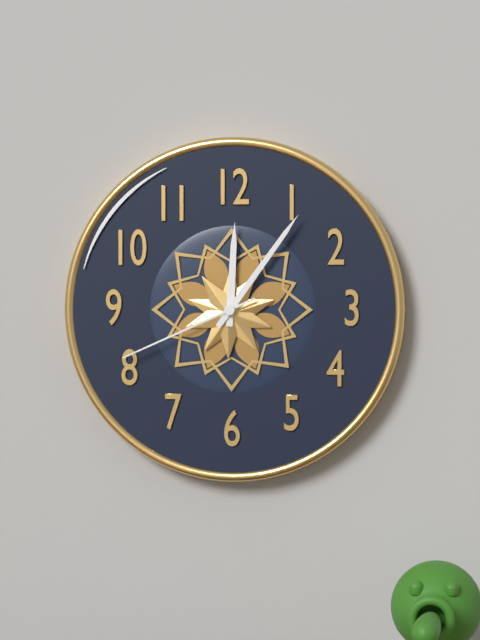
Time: {"hour": 12, "minute": 6, "second": 41}
